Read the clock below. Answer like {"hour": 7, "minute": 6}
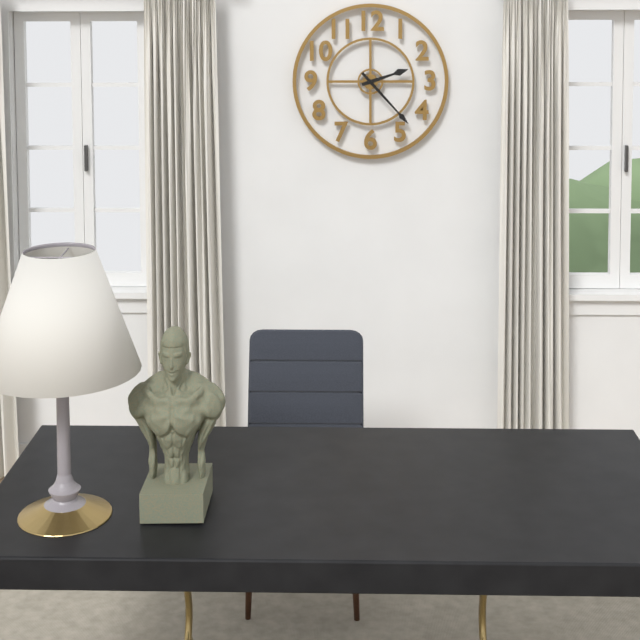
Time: {"hour": 2, "minute": 23}
